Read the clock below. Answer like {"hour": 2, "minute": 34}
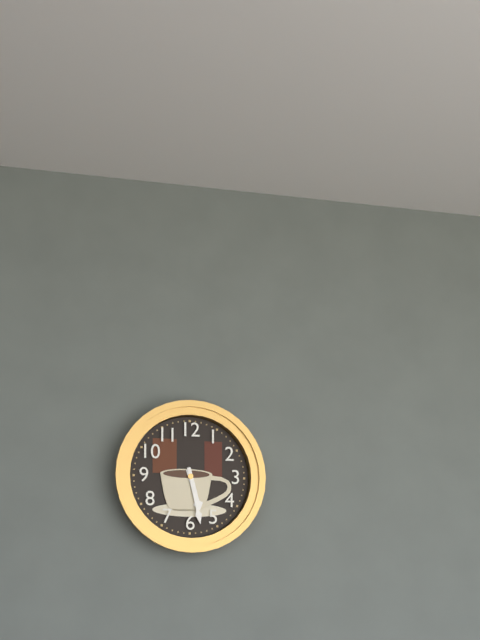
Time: {"hour": 5, "minute": 28}
